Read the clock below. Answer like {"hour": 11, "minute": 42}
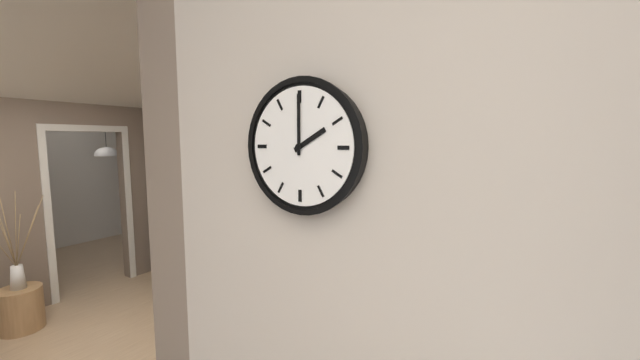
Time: {"hour": 2, "minute": 0}
